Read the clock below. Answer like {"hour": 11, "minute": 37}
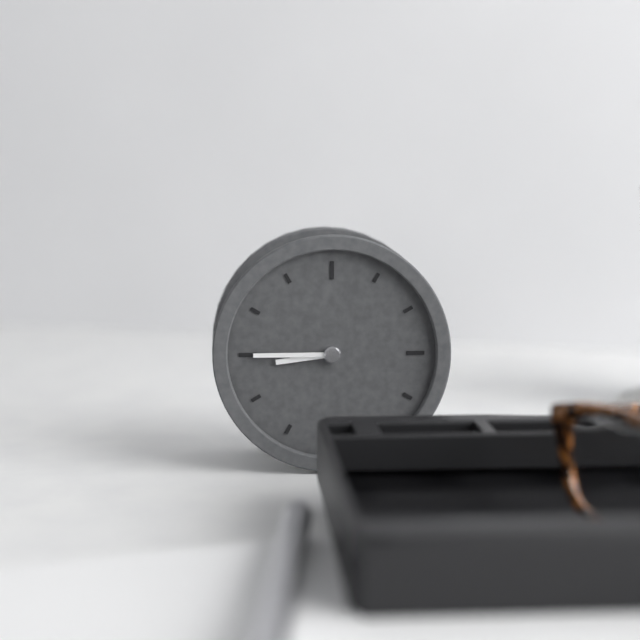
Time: {"hour": 8, "minute": 45}
